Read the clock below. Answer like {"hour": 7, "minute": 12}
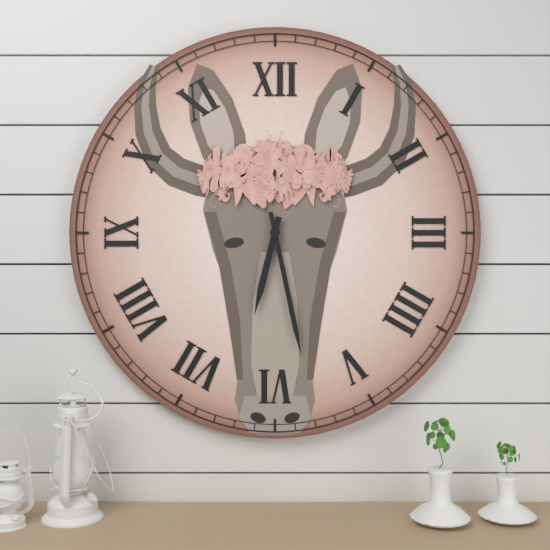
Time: {"hour": 6, "minute": 28}
